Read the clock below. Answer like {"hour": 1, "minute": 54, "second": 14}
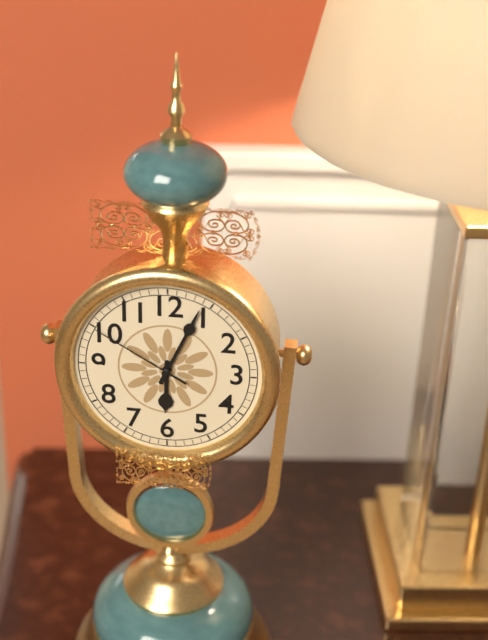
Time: {"hour": 6, "minute": 4, "second": 50}
